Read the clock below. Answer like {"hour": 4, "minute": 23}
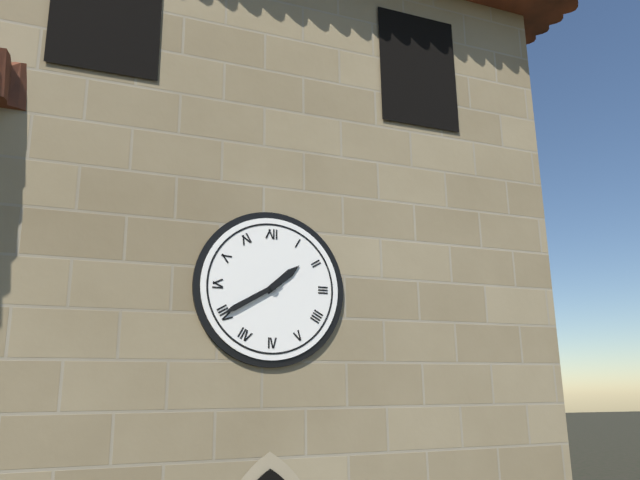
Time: {"hour": 1, "minute": 40}
